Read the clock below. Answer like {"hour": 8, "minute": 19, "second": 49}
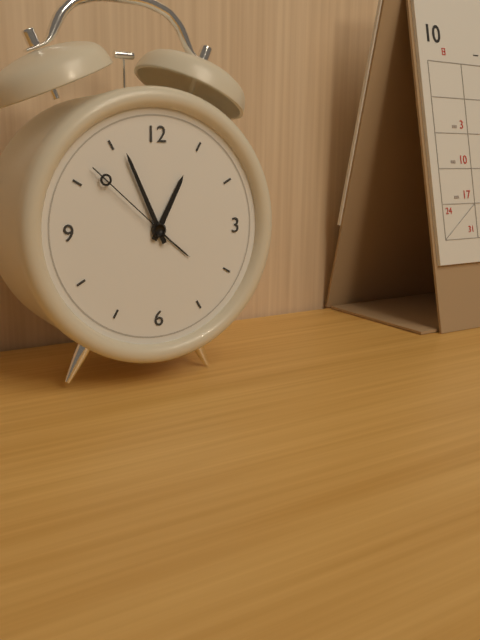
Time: {"hour": 12, "minute": 56, "second": 52}
